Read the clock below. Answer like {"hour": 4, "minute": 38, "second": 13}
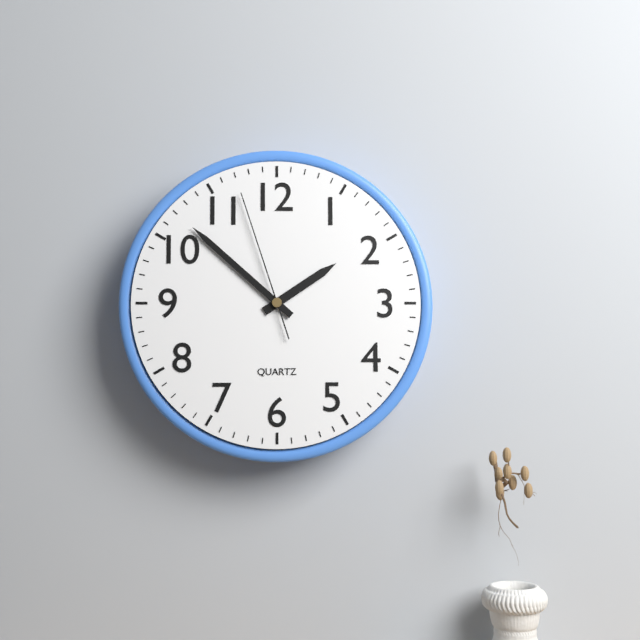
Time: {"hour": 1, "minute": 52, "second": 57}
